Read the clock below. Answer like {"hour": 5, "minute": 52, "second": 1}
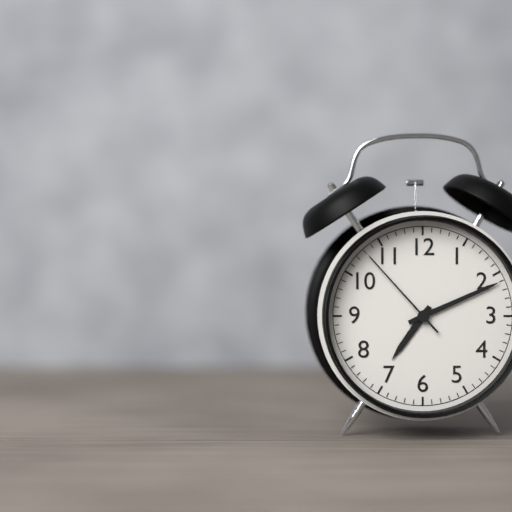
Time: {"hour": 7, "minute": 11, "second": 53}
